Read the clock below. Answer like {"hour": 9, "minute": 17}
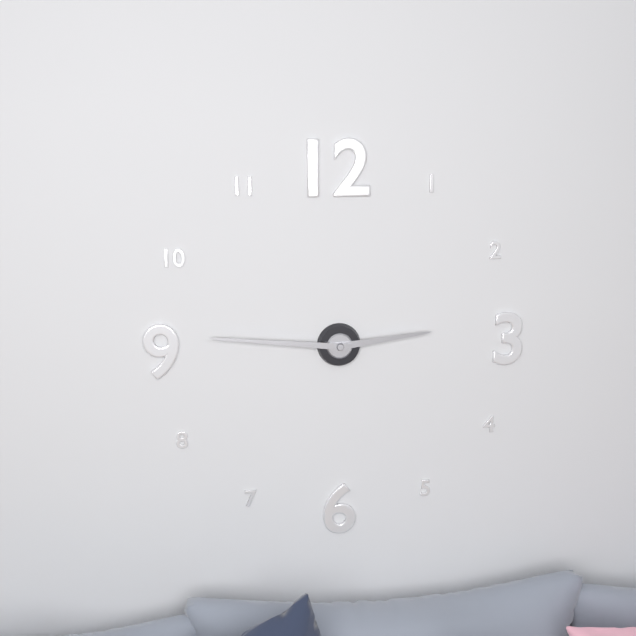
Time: {"hour": 2, "minute": 46}
